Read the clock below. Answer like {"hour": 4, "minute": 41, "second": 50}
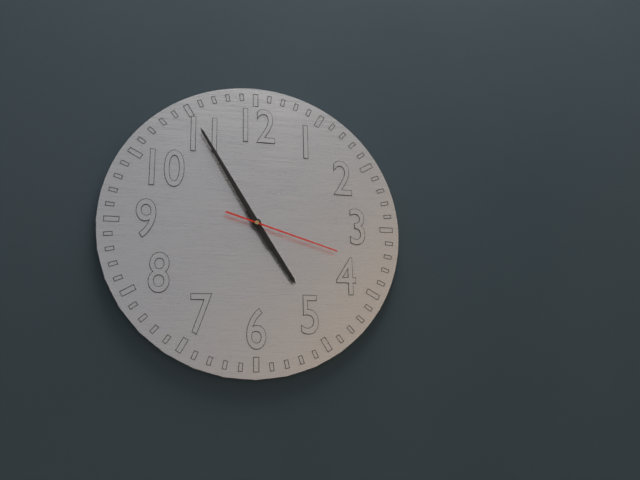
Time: {"hour": 4, "minute": 55, "second": 18}
